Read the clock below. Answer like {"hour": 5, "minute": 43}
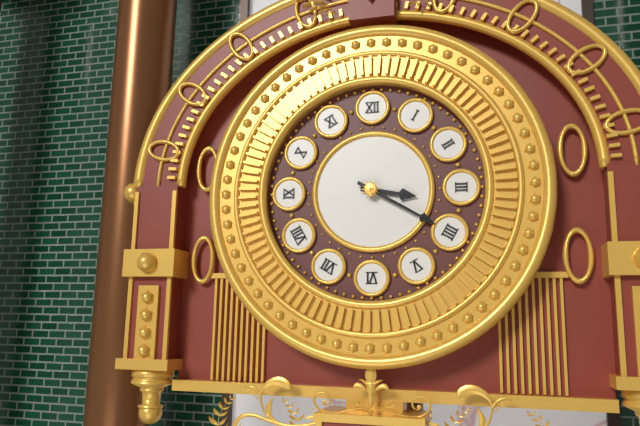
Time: {"hour": 3, "minute": 20}
